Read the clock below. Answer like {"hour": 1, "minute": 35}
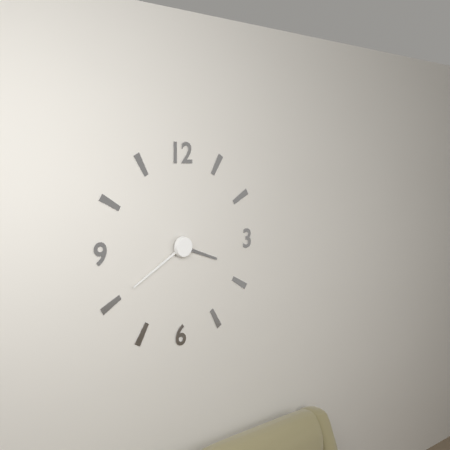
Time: {"hour": 3, "minute": 40}
